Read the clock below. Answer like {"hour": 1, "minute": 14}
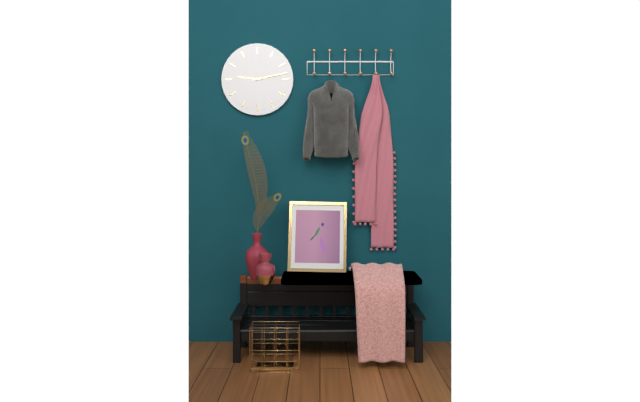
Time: {"hour": 9, "minute": 13}
